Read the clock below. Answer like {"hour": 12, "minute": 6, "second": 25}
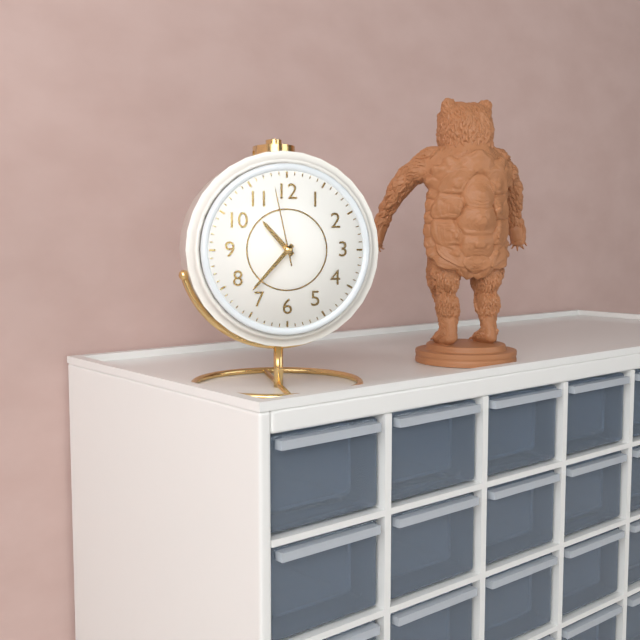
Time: {"hour": 10, "minute": 37, "second": 58}
